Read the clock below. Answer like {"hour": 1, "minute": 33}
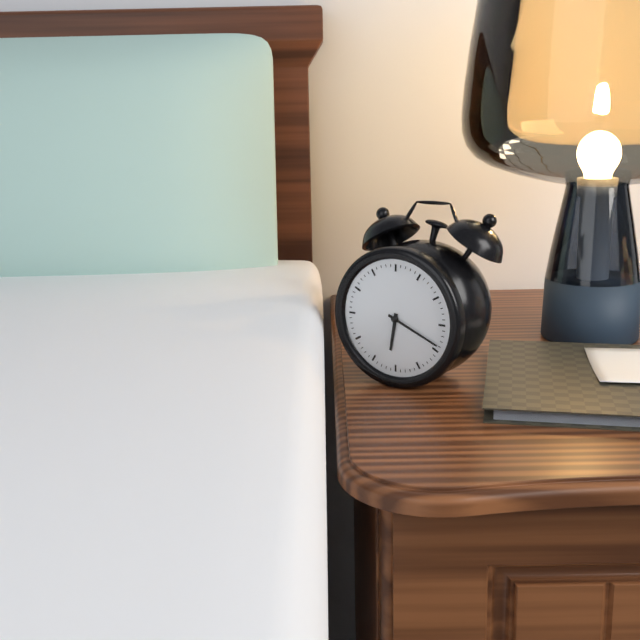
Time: {"hour": 6, "minute": 19}
